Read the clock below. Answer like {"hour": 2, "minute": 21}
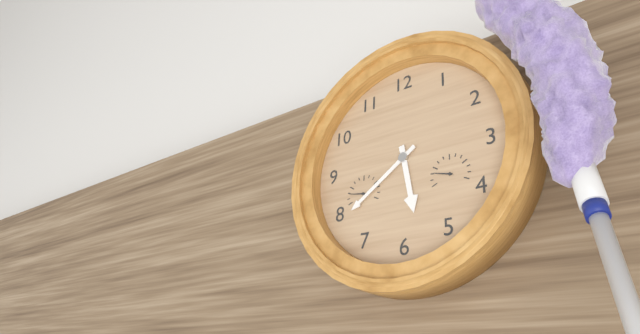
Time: {"hour": 5, "minute": 39}
